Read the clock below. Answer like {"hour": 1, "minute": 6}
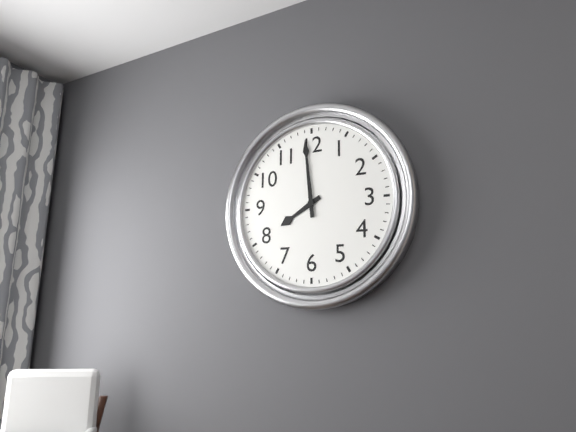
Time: {"hour": 7, "minute": 59}
